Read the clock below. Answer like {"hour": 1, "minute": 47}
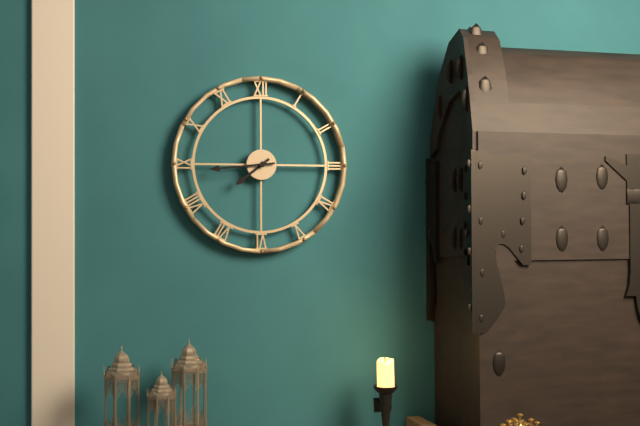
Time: {"hour": 7, "minute": 44}
